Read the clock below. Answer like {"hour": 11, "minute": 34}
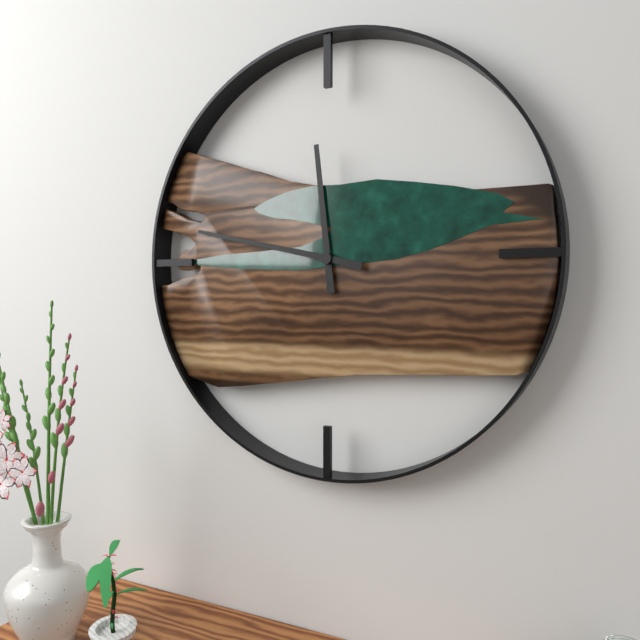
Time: {"hour": 11, "minute": 47}
